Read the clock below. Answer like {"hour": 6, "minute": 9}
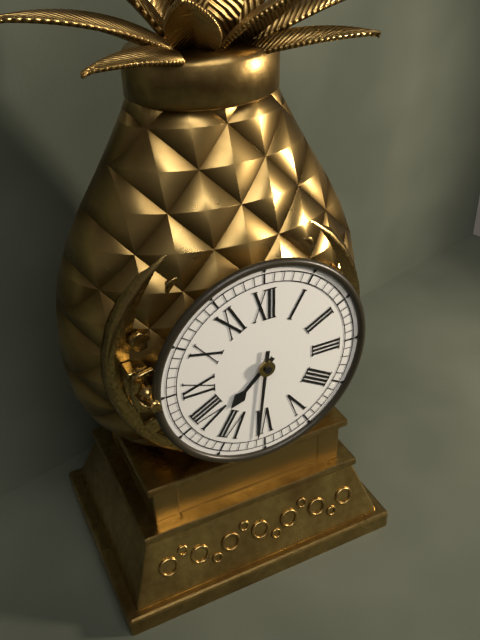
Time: {"hour": 7, "minute": 31}
